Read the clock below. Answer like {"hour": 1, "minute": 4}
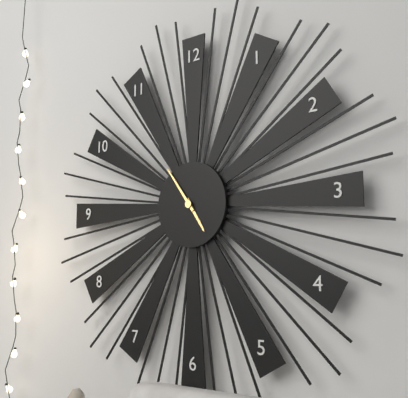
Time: {"hour": 4, "minute": 54}
